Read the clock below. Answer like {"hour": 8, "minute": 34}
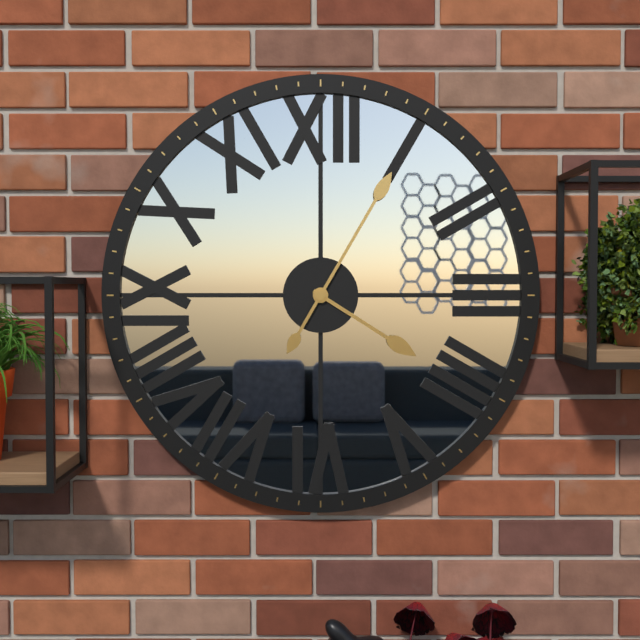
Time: {"hour": 4, "minute": 5}
